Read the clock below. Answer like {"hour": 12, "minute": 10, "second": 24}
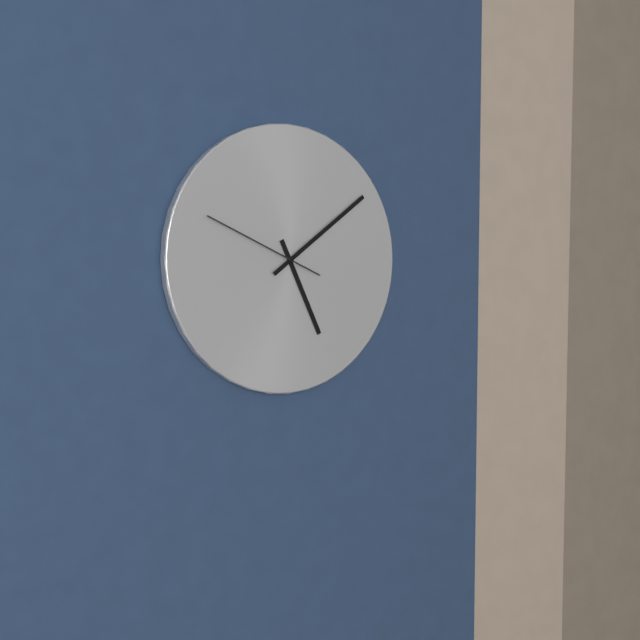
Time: {"hour": 5, "minute": 9, "second": 49}
